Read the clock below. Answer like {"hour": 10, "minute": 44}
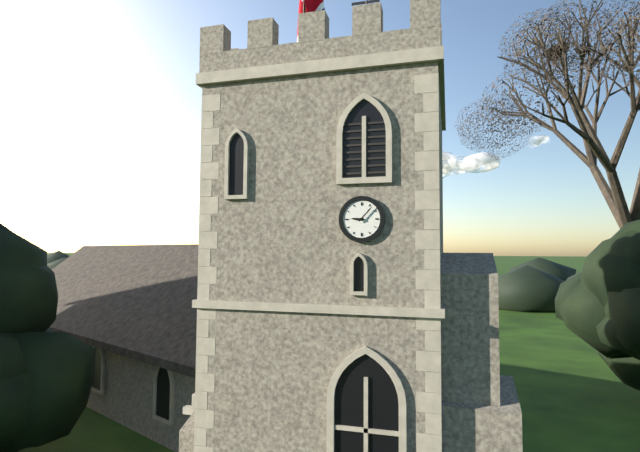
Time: {"hour": 9, "minute": 7}
